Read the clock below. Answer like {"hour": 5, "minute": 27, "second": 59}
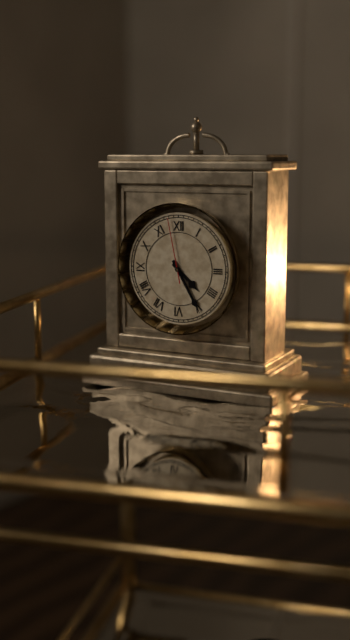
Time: {"hour": 4, "minute": 25, "second": 58}
